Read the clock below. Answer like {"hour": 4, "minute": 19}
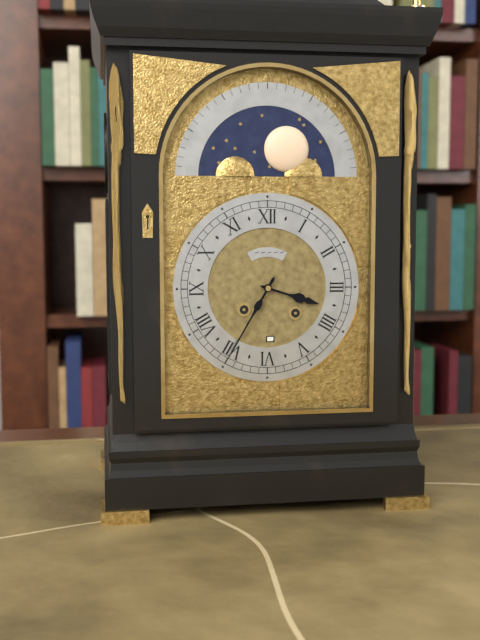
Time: {"hour": 3, "minute": 35}
